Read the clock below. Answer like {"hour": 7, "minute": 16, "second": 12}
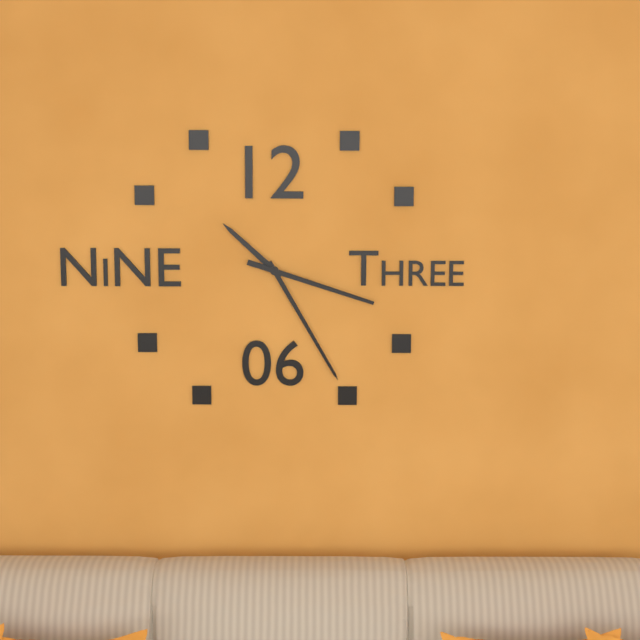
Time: {"hour": 10, "minute": 25, "second": 18}
